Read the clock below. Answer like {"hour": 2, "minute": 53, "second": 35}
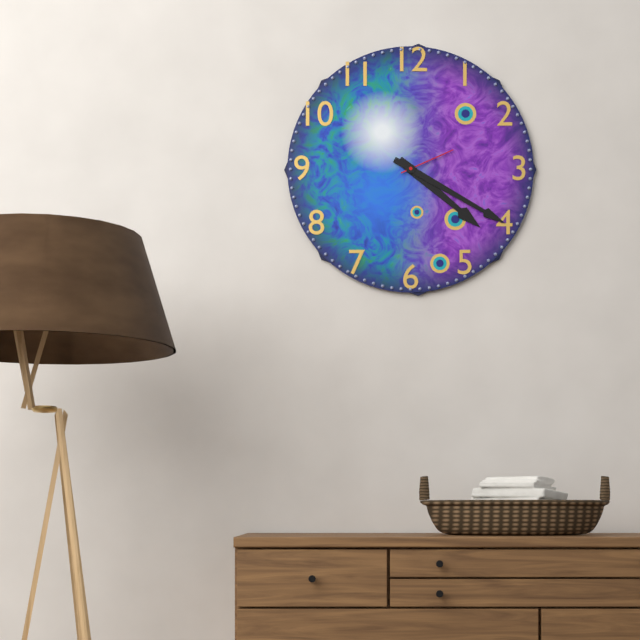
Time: {"hour": 4, "minute": 20, "second": 11}
